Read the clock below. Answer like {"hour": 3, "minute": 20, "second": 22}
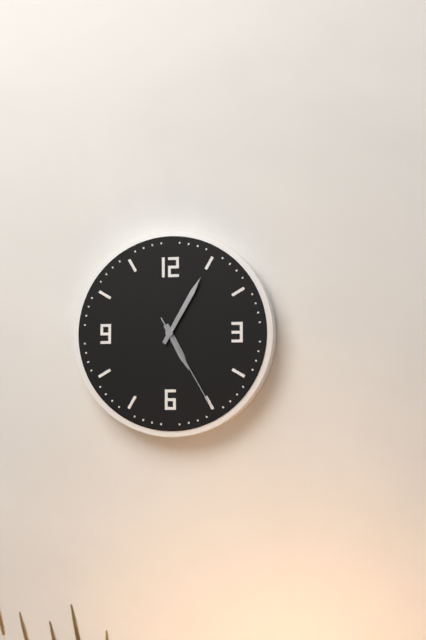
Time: {"hour": 5, "minute": 5, "second": 25}
